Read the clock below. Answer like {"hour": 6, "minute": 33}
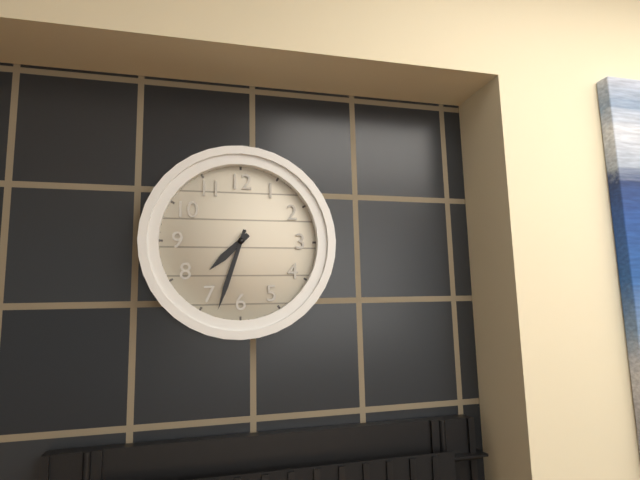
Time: {"hour": 7, "minute": 33}
